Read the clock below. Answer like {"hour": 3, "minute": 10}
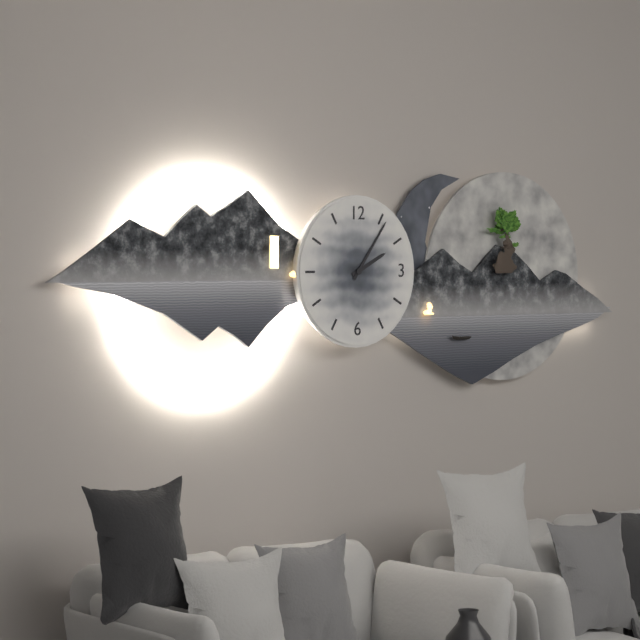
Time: {"hour": 2, "minute": 6}
